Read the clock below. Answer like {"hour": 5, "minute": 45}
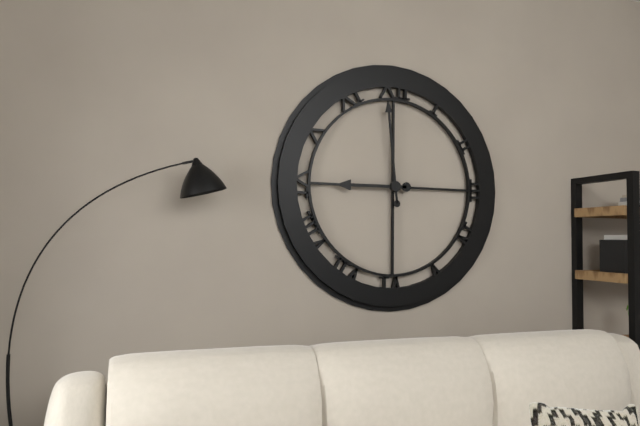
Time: {"hour": 8, "minute": 59}
